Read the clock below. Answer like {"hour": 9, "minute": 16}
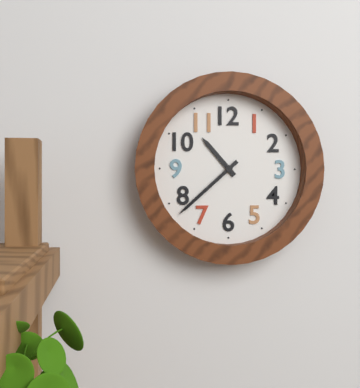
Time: {"hour": 10, "minute": 38}
